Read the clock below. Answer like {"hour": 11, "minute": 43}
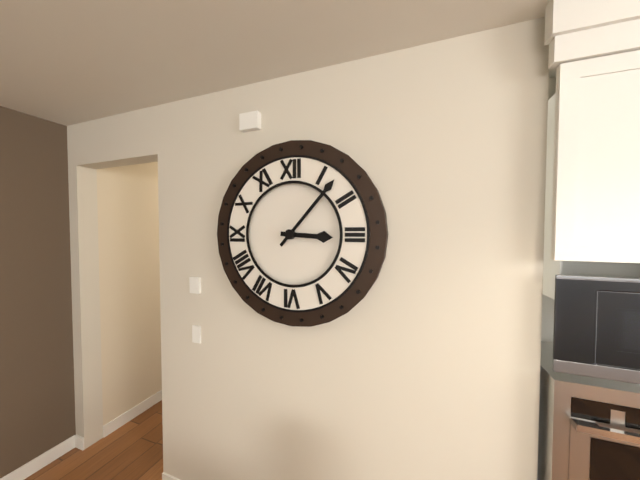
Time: {"hour": 3, "minute": 7}
